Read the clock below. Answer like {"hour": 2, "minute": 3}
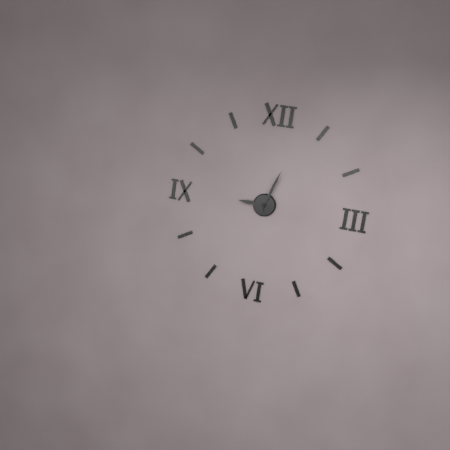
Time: {"hour": 9, "minute": 3}
